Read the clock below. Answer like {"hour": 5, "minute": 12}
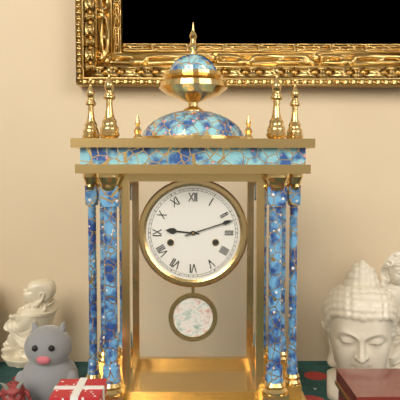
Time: {"hour": 9, "minute": 12}
